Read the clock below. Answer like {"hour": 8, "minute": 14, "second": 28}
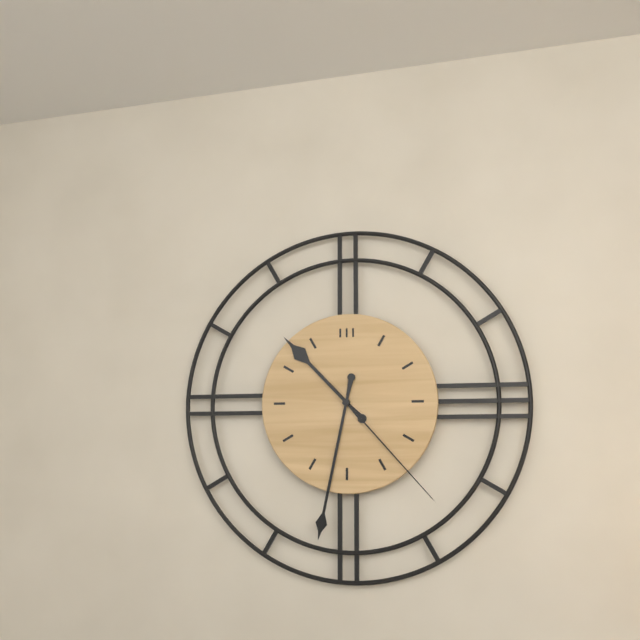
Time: {"hour": 10, "minute": 32, "second": 23}
